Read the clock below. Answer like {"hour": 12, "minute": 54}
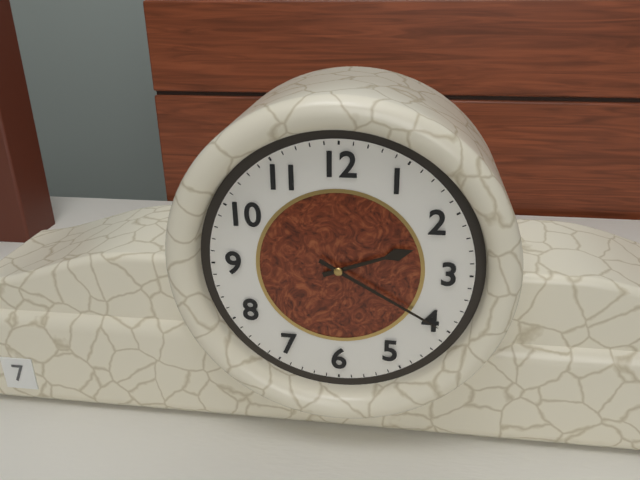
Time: {"hour": 2, "minute": 20}
